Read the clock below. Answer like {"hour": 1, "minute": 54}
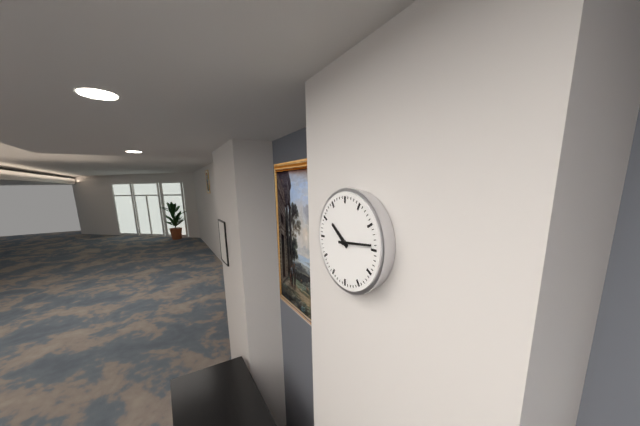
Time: {"hour": 10, "minute": 14}
